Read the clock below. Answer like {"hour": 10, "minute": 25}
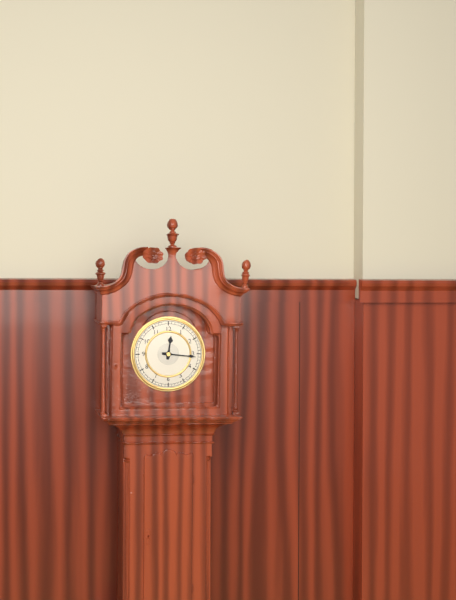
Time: {"hour": 12, "minute": 16}
